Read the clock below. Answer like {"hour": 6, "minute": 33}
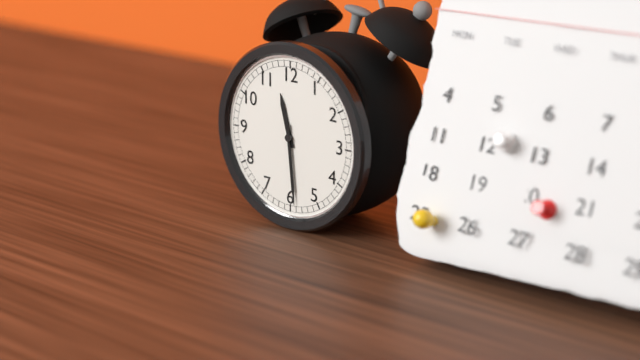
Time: {"hour": 11, "minute": 29}
